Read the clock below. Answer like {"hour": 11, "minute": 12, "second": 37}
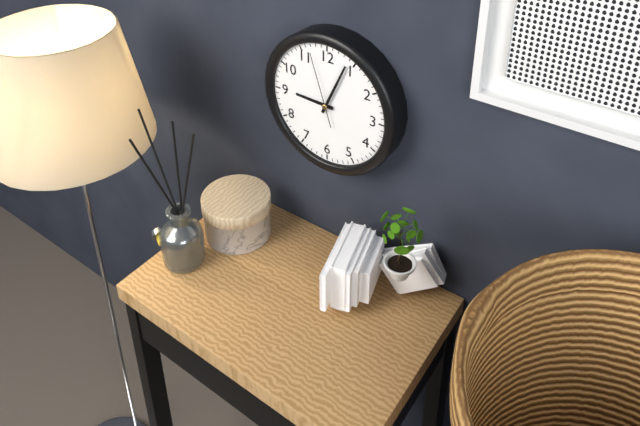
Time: {"hour": 9, "minute": 4, "second": 57}
